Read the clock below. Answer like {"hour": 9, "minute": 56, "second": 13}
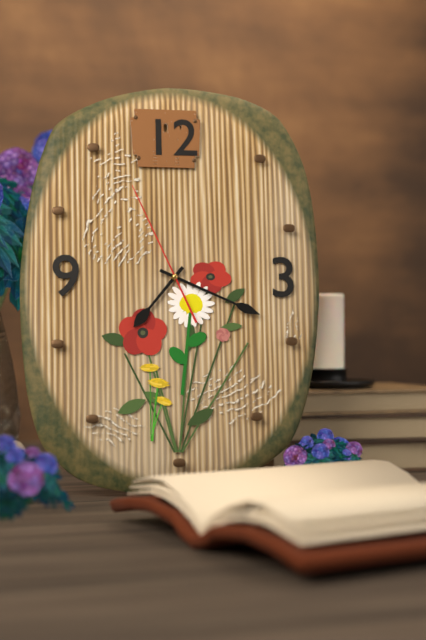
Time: {"hour": 7, "minute": 19, "second": 56}
